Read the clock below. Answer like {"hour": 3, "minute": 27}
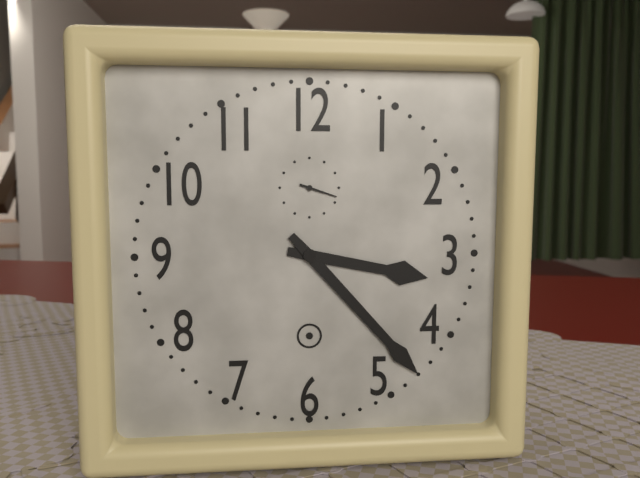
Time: {"hour": 3, "minute": 23}
